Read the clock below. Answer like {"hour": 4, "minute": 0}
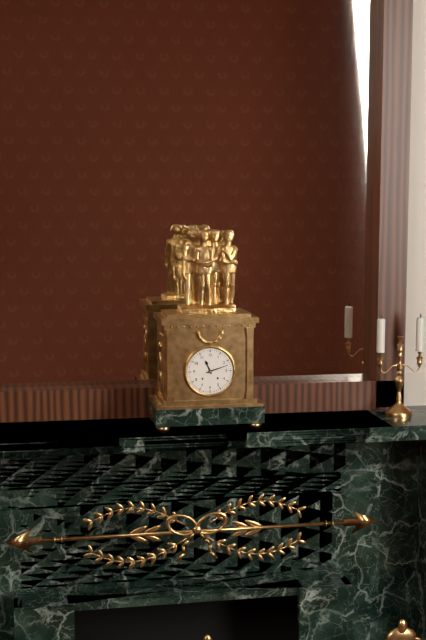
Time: {"hour": 11, "minute": 12}
